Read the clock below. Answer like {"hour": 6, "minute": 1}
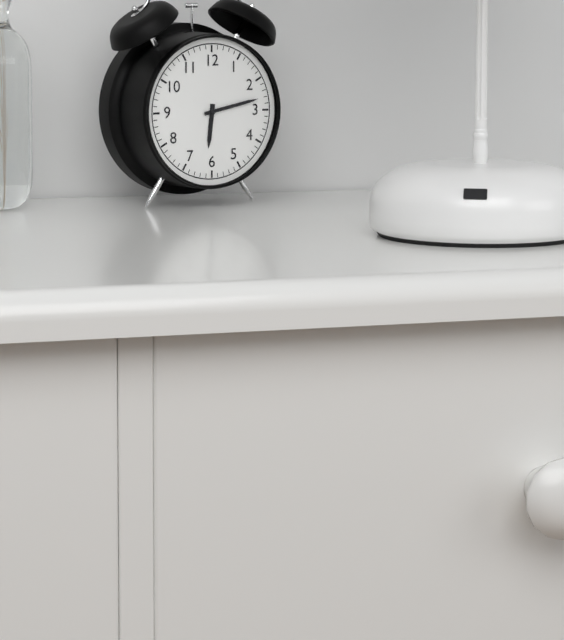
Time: {"hour": 6, "minute": 13}
